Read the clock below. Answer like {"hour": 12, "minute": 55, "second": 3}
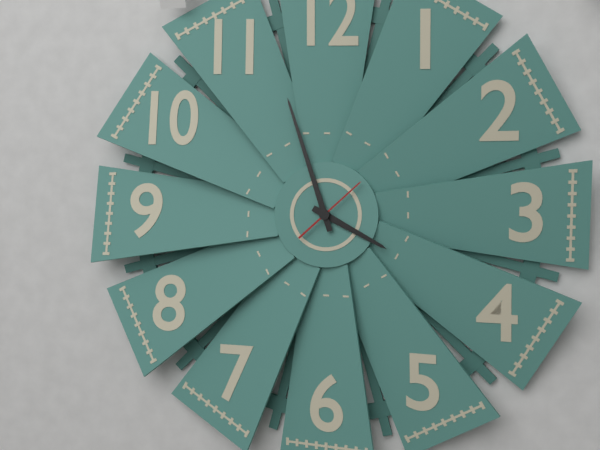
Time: {"hour": 3, "minute": 57, "second": 8}
